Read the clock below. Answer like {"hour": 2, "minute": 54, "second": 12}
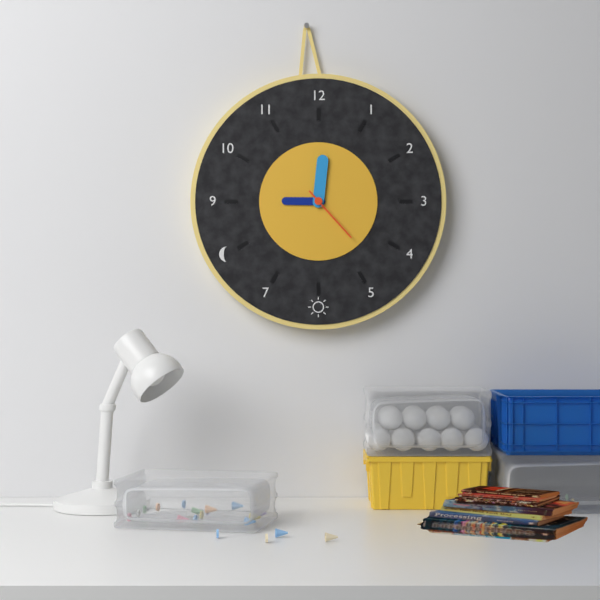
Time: {"hour": 9, "minute": 1, "second": 23}
